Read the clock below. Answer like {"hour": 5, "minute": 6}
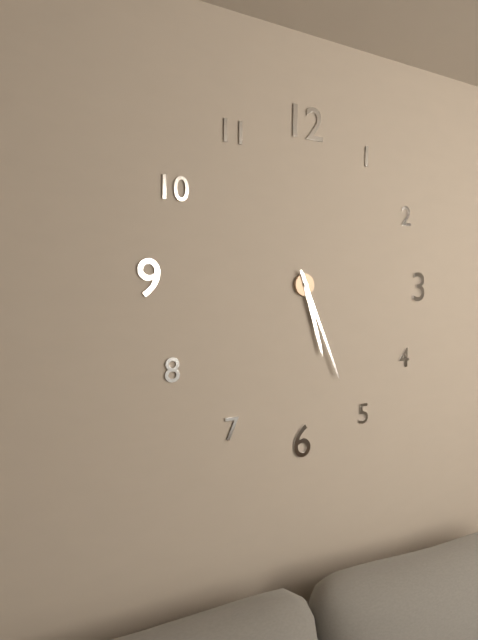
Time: {"hour": 5, "minute": 26}
